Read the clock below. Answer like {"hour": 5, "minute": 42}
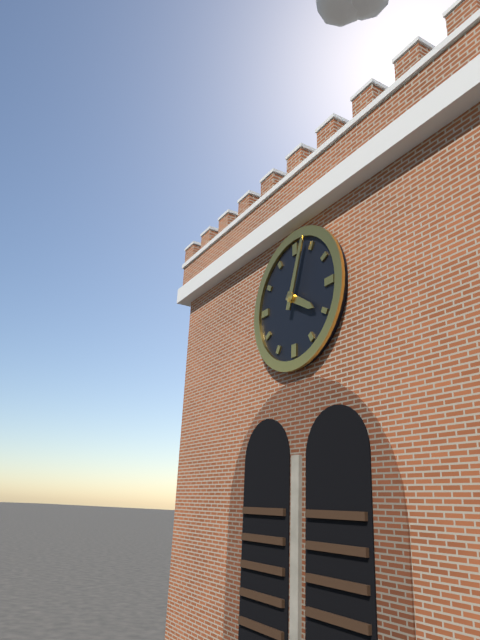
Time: {"hour": 4, "minute": 3}
